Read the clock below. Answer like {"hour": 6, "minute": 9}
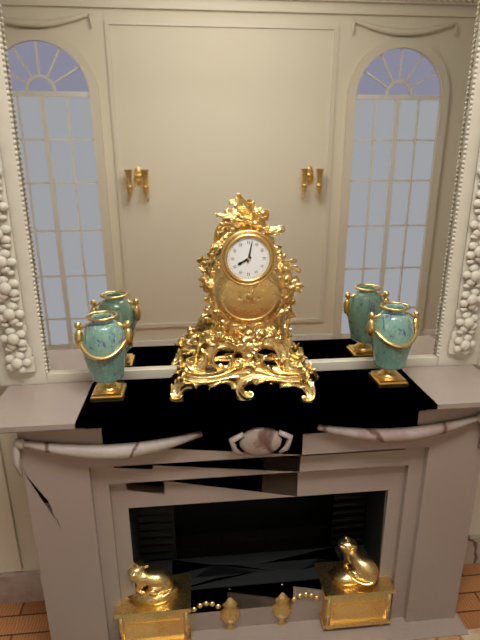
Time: {"hour": 8, "minute": 2}
